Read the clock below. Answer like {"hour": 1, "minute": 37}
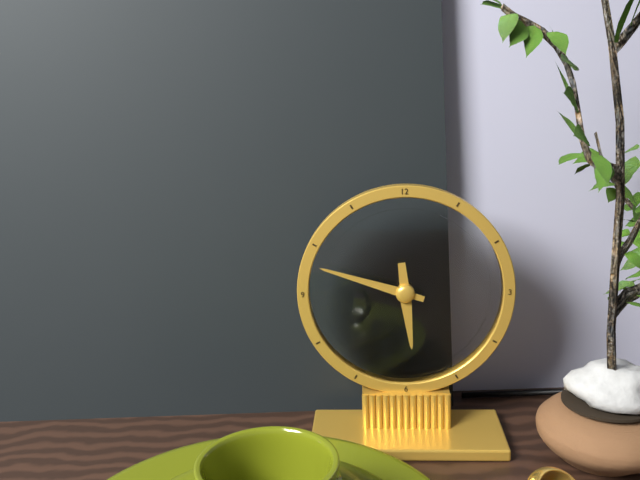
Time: {"hour": 5, "minute": 48}
